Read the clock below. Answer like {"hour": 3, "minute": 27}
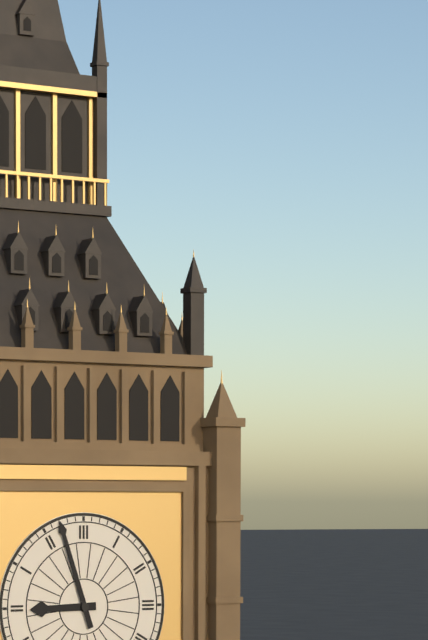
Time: {"hour": 8, "minute": 57}
